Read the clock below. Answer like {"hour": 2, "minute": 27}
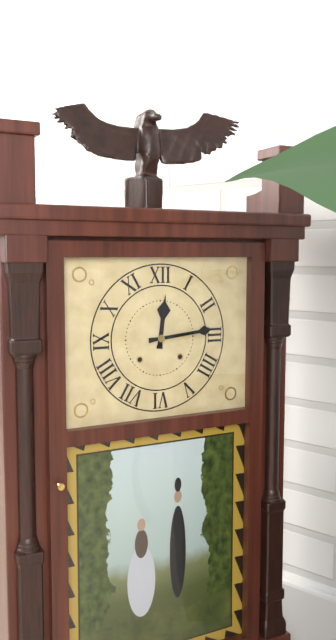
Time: {"hour": 12, "minute": 14}
